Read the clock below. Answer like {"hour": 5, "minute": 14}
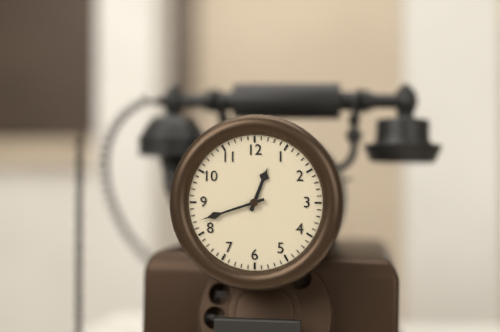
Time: {"hour": 12, "minute": 42}
